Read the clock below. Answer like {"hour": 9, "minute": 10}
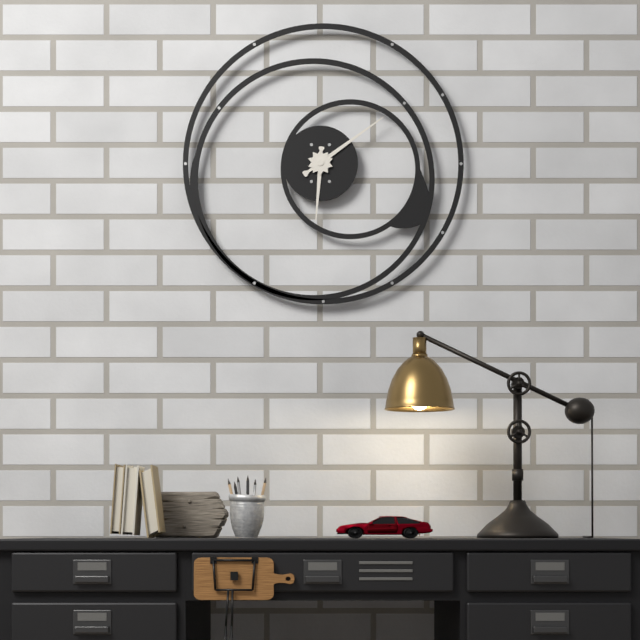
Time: {"hour": 6, "minute": 9}
